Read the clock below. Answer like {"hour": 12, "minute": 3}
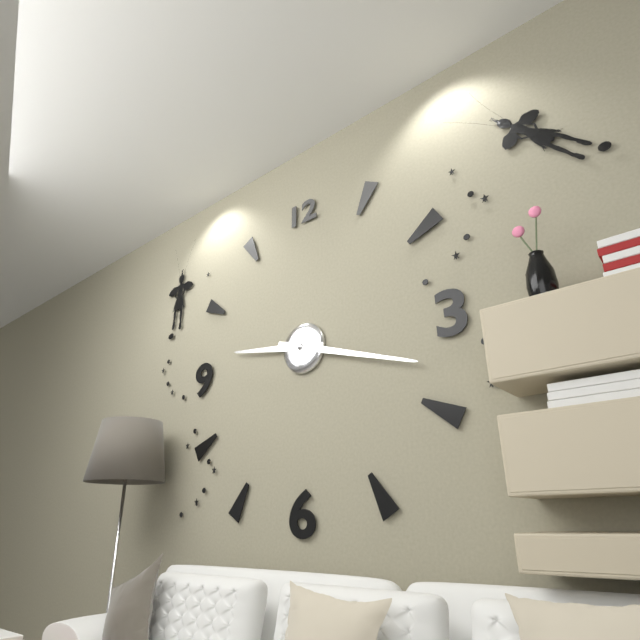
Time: {"hour": 9, "minute": 18}
